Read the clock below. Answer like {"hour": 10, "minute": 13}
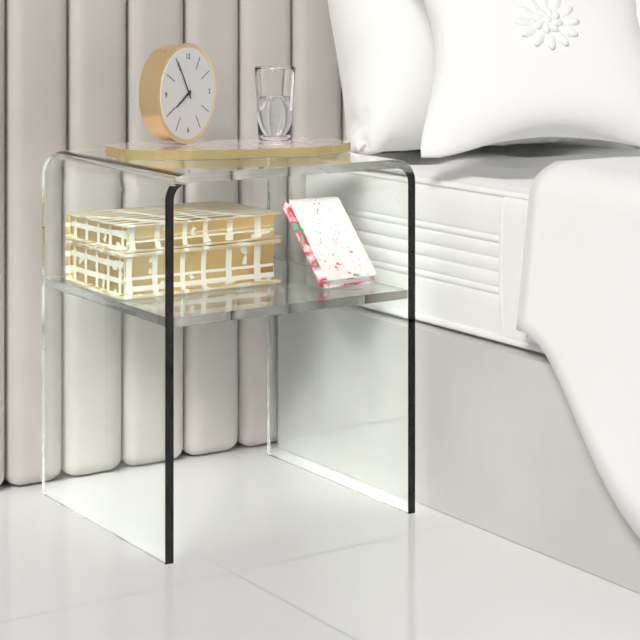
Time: {"hour": 7, "minute": 55}
